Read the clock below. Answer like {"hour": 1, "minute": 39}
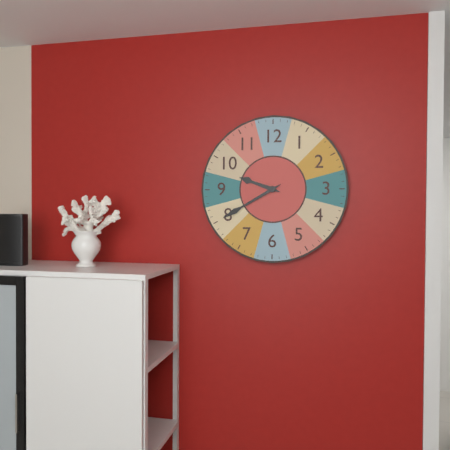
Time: {"hour": 9, "minute": 40}
